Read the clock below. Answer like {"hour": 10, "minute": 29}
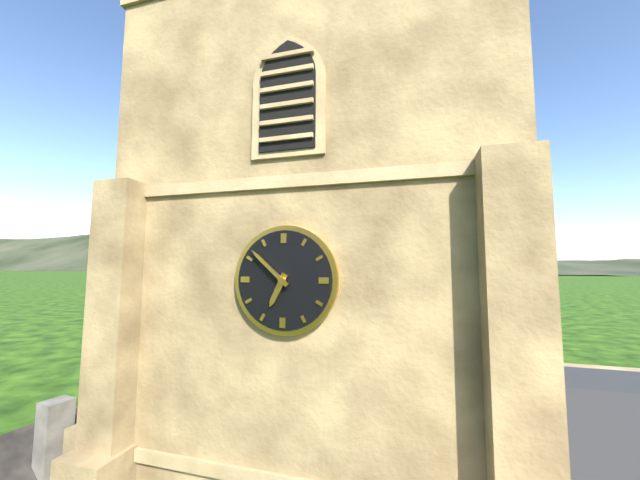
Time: {"hour": 6, "minute": 52}
